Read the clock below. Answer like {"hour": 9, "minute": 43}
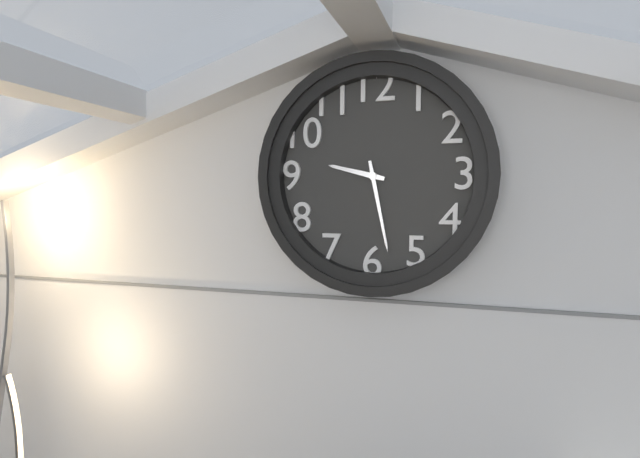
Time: {"hour": 9, "minute": 28}
